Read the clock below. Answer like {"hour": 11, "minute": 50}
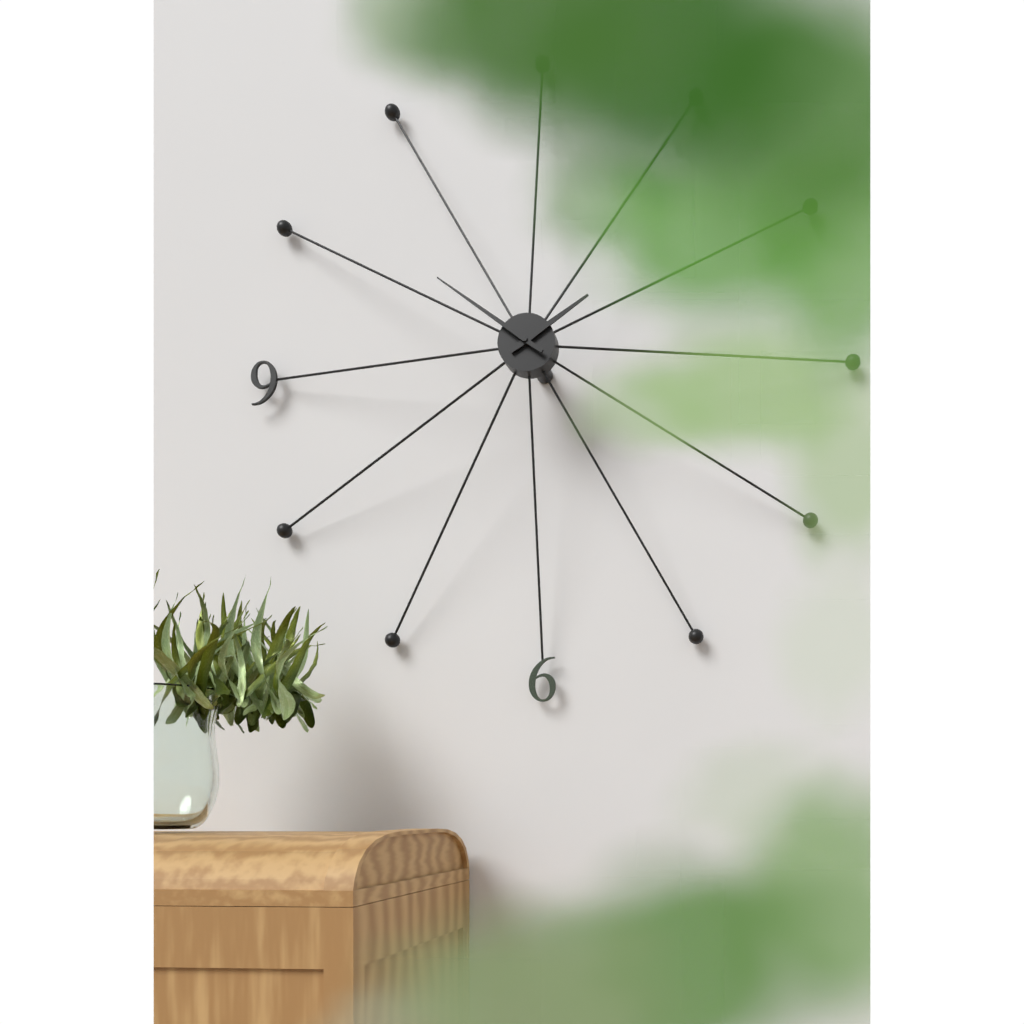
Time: {"hour": 1, "minute": 51}
